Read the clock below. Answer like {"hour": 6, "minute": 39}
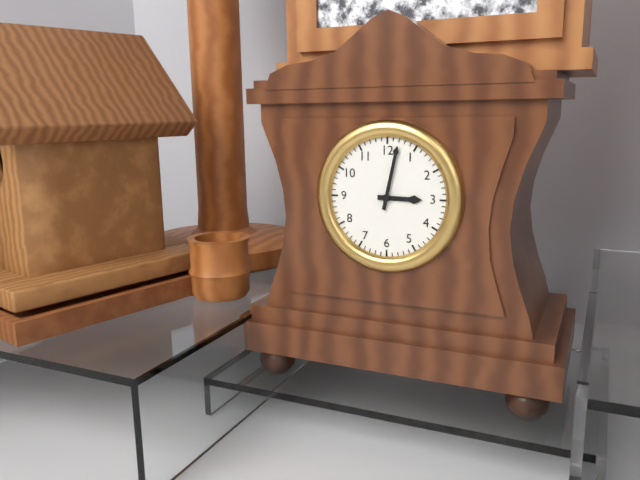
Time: {"hour": 3, "minute": 2}
